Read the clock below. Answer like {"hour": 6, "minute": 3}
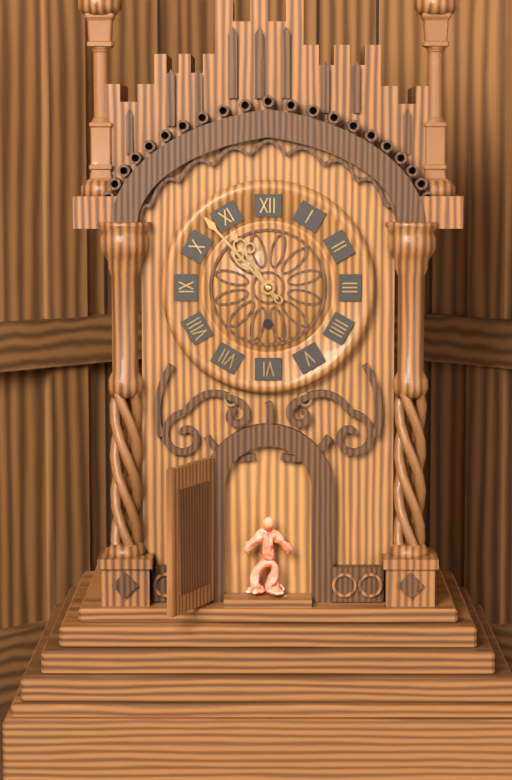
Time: {"hour": 10, "minute": 53}
